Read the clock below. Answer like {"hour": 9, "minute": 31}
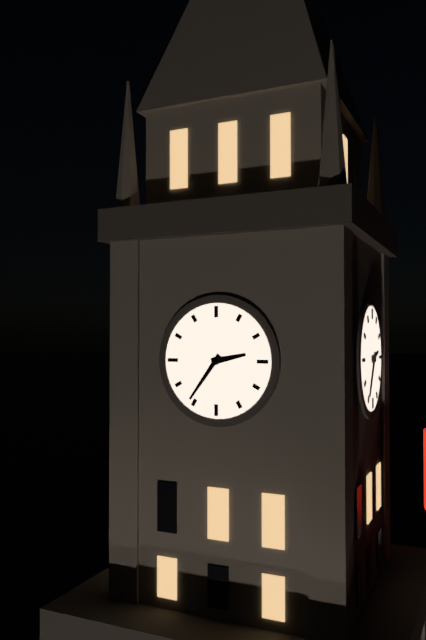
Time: {"hour": 2, "minute": 36}
